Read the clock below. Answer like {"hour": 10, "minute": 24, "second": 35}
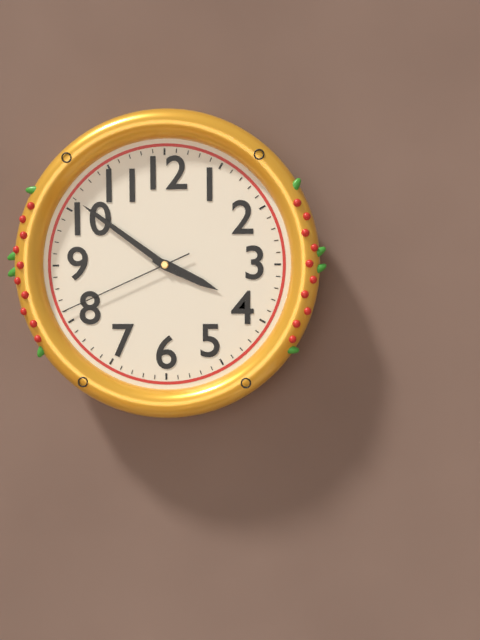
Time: {"hour": 3, "minute": 51, "second": 41}
